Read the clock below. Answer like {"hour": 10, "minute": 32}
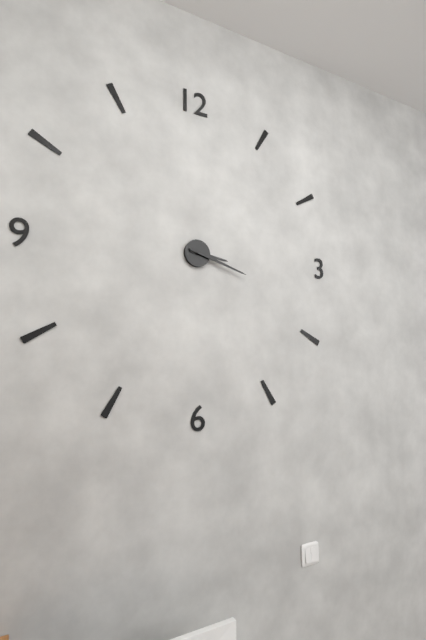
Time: {"hour": 3, "minute": 18}
